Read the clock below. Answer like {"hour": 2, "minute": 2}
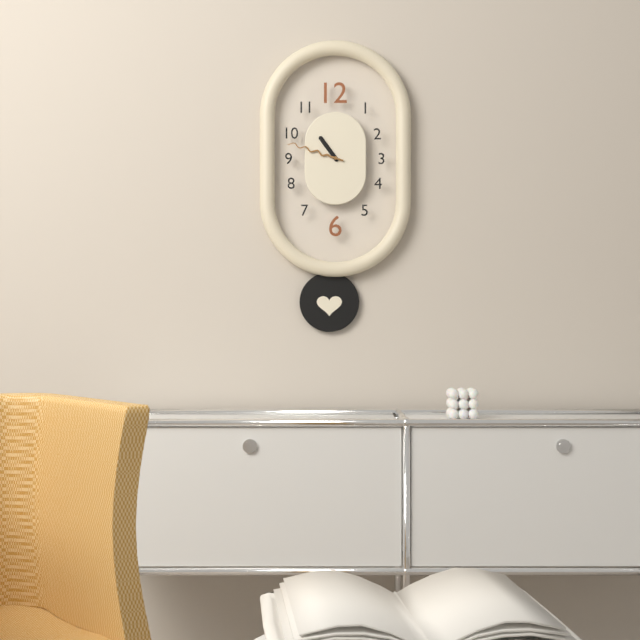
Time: {"hour": 10, "minute": 48}
